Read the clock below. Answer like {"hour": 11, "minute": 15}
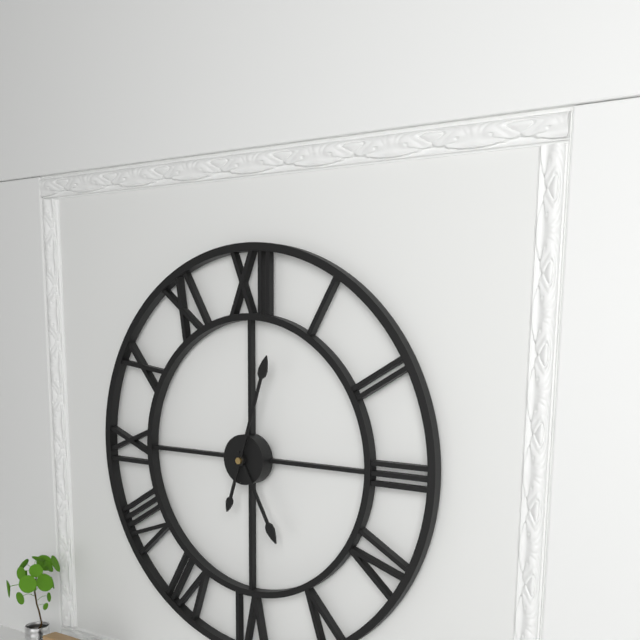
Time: {"hour": 5, "minute": 3}
